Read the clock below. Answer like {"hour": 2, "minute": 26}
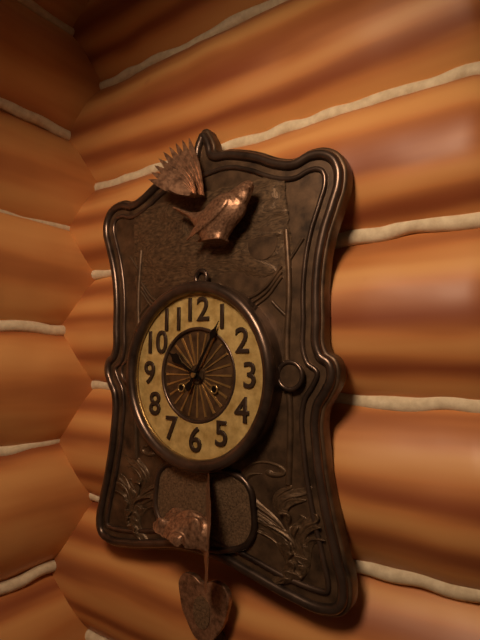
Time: {"hour": 10, "minute": 5}
